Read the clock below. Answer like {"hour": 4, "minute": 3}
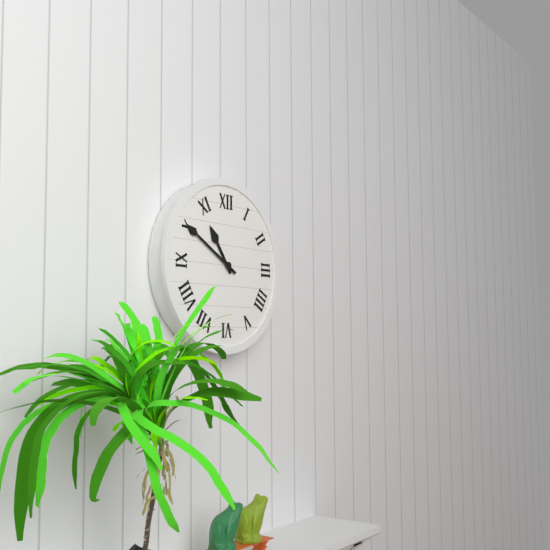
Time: {"hour": 10, "minute": 50}
